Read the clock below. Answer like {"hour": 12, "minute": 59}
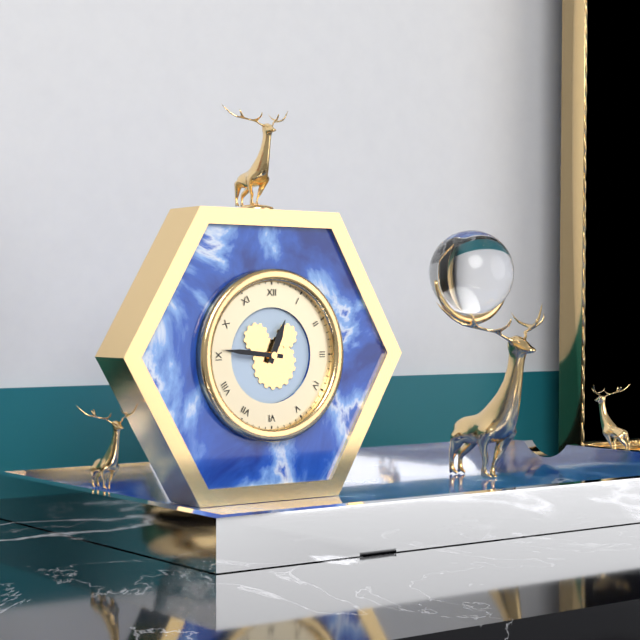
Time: {"hour": 12, "minute": 46}
